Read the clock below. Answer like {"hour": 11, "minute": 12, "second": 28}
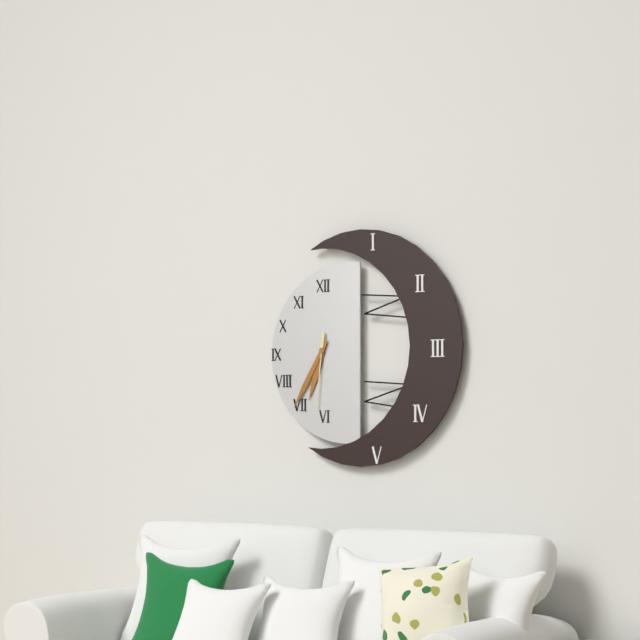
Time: {"hour": 6, "minute": 35, "second": 31}
